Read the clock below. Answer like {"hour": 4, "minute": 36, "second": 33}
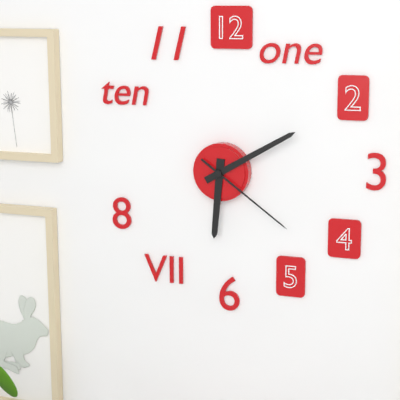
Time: {"hour": 6, "minute": 10, "second": 21}
